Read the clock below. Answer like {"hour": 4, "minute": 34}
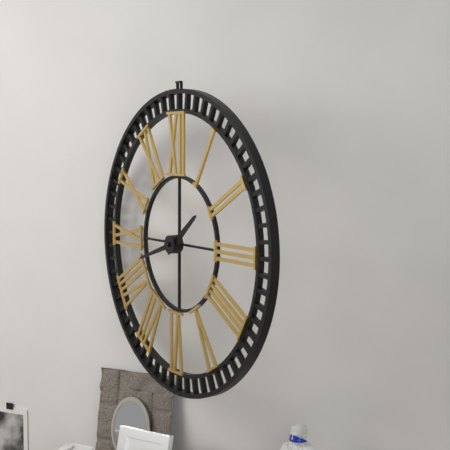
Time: {"hour": 1, "minute": 42}
